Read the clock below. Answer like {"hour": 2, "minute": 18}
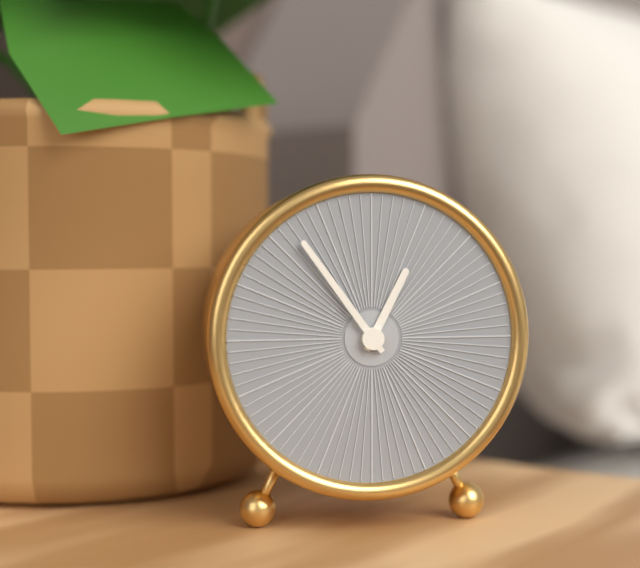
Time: {"hour": 12, "minute": 54}
